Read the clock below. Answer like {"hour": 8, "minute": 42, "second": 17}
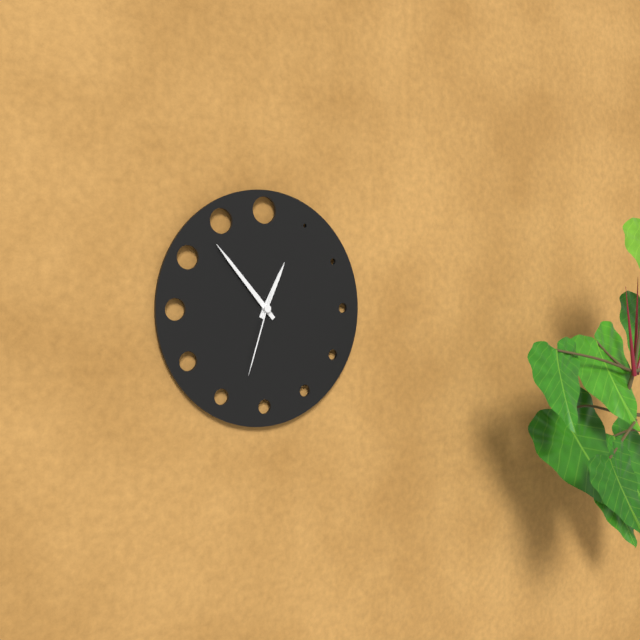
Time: {"hour": 12, "minute": 53, "second": 33}
